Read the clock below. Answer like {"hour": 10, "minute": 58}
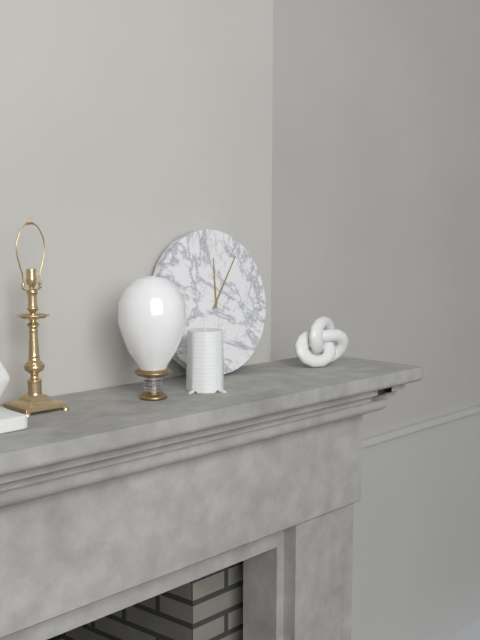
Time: {"hour": 12, "minute": 6}
